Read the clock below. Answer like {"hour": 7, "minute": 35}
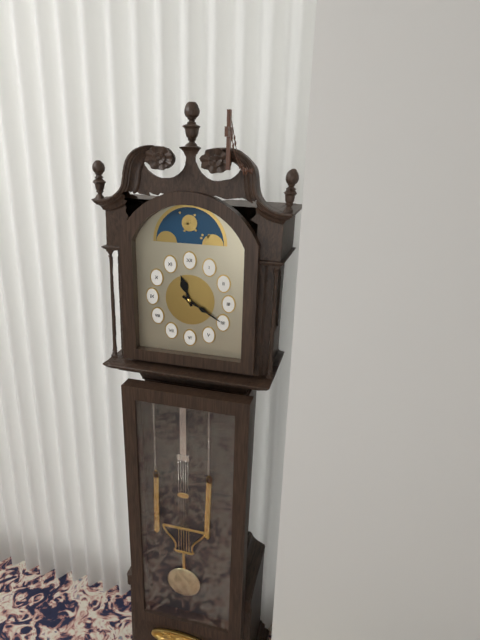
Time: {"hour": 11, "minute": 20}
